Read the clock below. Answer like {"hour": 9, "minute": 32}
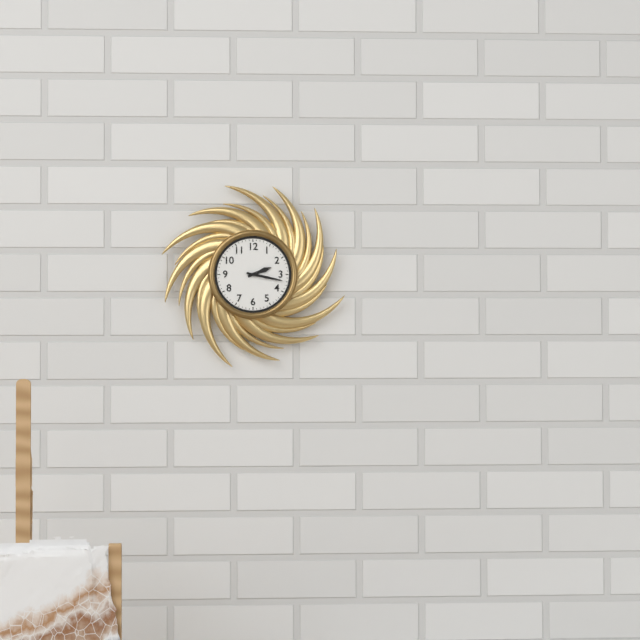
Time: {"hour": 2, "minute": 17}
